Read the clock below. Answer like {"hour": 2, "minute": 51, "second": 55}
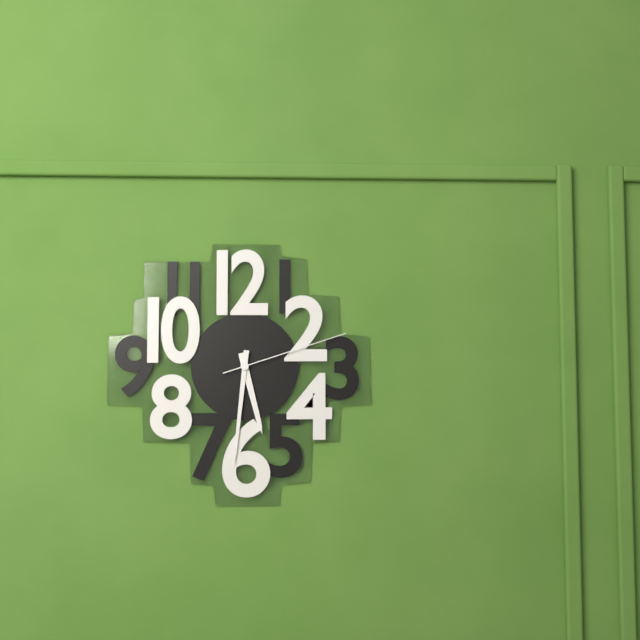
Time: {"hour": 5, "minute": 31, "second": 12}
